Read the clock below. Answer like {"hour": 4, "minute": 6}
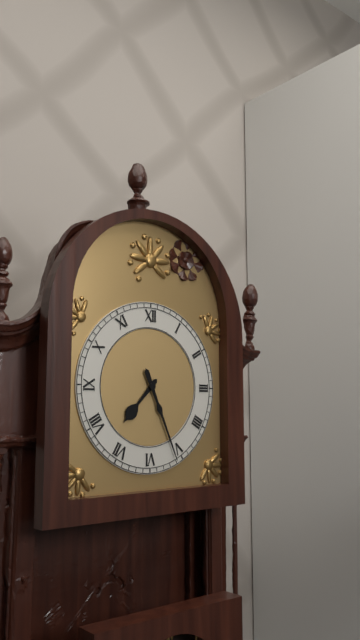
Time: {"hour": 7, "minute": 26}
